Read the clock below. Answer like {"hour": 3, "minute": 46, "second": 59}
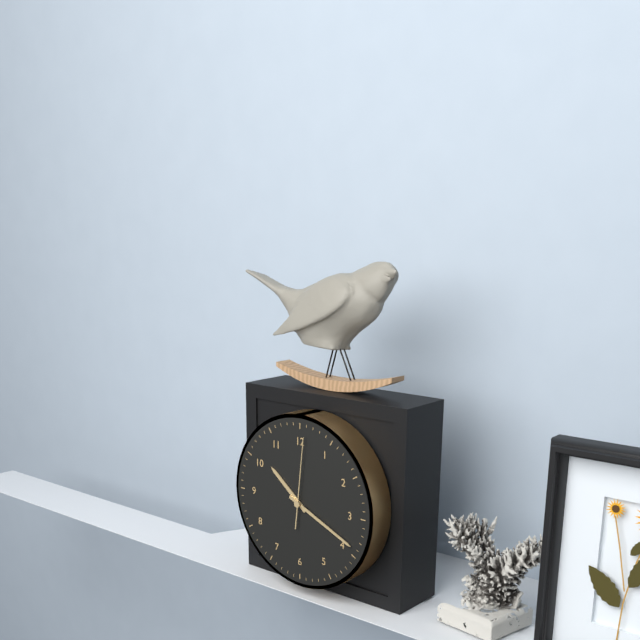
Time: {"hour": 10, "minute": 19, "second": 1}
